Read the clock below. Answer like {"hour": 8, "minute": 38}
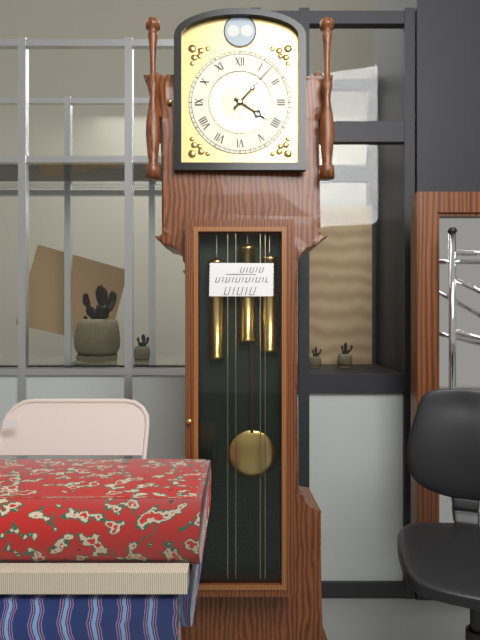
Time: {"hour": 4, "minute": 7}
